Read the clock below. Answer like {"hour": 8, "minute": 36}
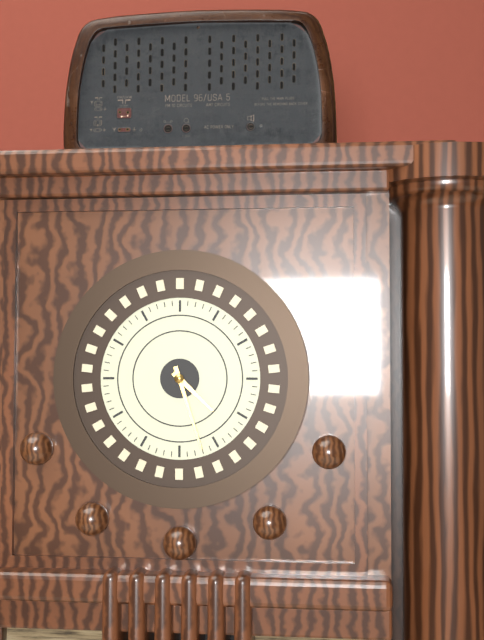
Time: {"hour": 4, "minute": 27}
